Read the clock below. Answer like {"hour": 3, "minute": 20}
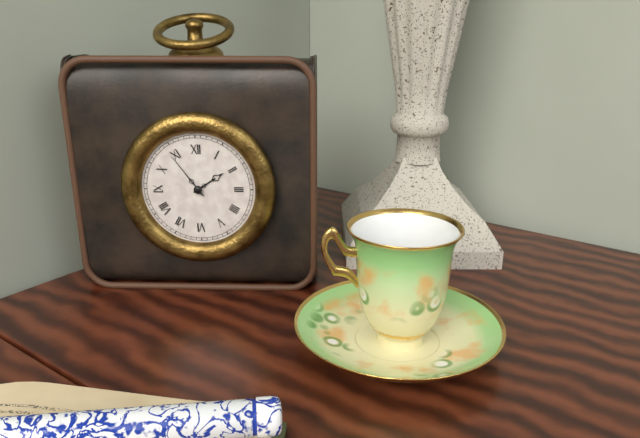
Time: {"hour": 1, "minute": 54}
